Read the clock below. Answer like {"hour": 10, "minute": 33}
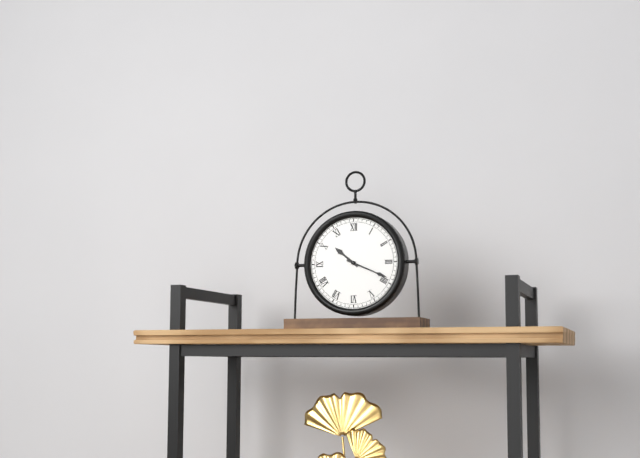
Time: {"hour": 10, "minute": 19}
